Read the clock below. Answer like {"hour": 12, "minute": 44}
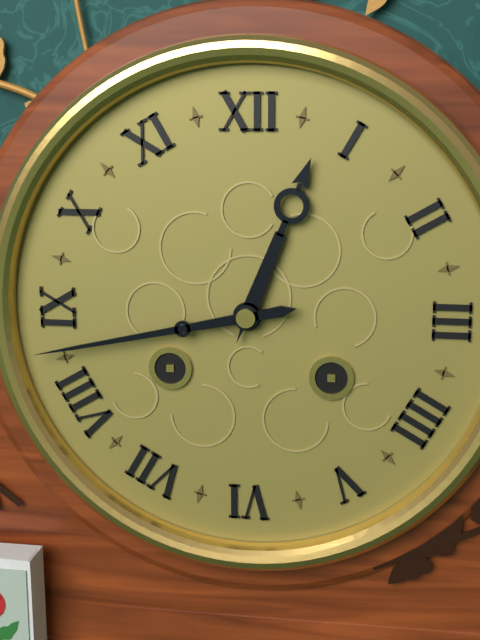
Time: {"hour": 12, "minute": 43}
